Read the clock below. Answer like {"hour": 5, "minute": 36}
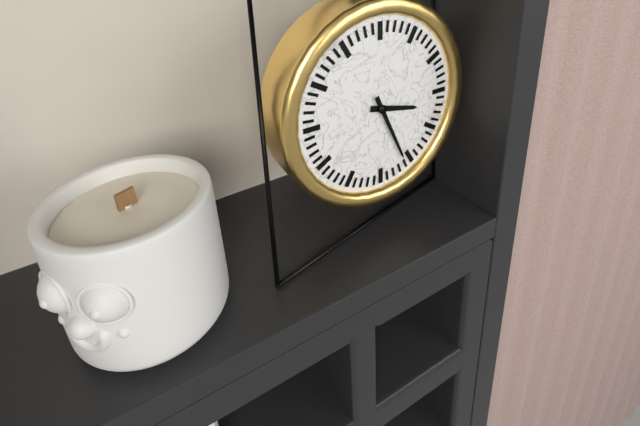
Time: {"hour": 3, "minute": 26}
